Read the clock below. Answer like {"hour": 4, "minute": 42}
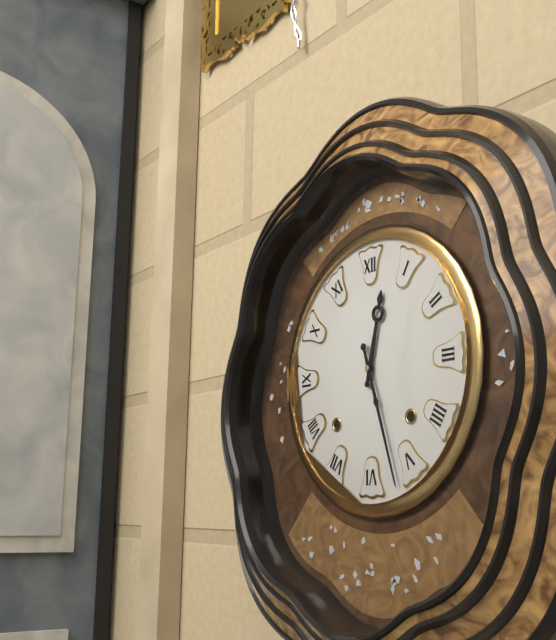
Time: {"hour": 12, "minute": 27}
